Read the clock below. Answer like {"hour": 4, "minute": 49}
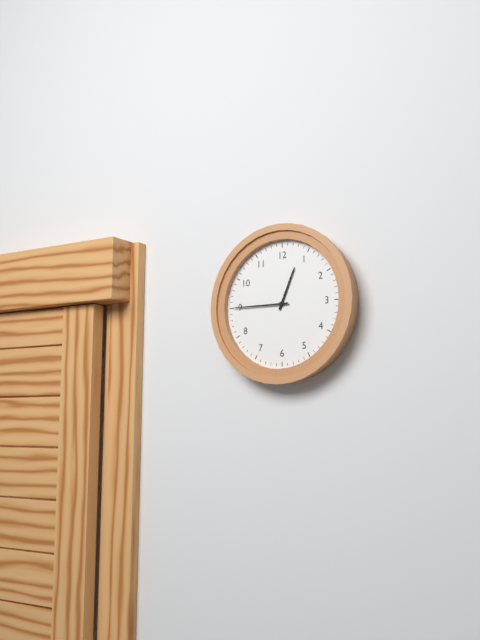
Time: {"hour": 12, "minute": 45}
